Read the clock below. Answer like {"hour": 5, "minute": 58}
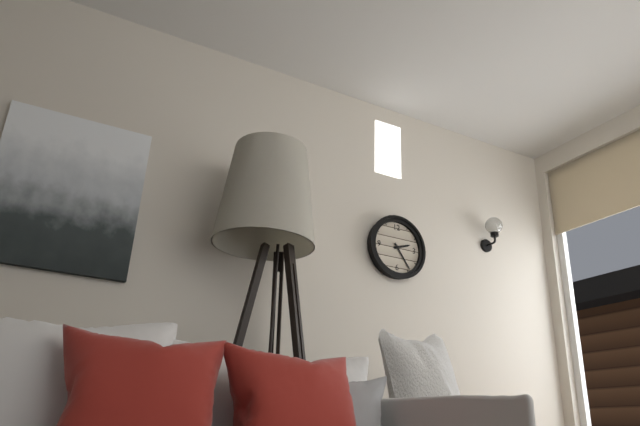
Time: {"hour": 2, "minute": 24}
